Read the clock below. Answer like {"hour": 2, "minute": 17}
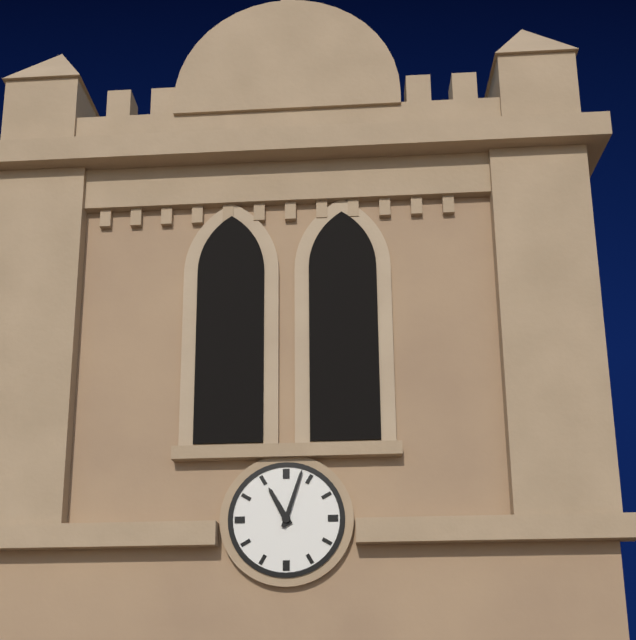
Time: {"hour": 11, "minute": 3}
